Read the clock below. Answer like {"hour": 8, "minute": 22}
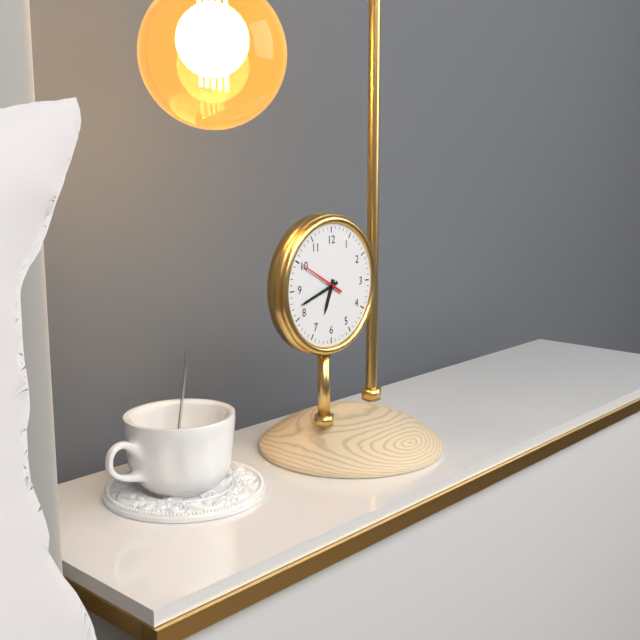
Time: {"hour": 6, "minute": 42}
